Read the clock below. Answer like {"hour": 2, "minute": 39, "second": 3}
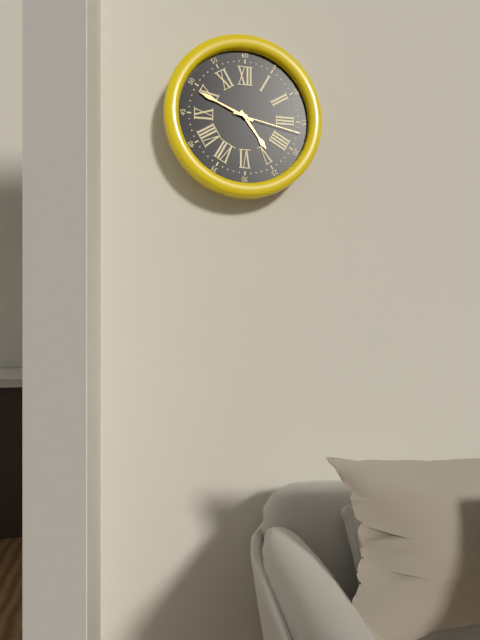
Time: {"hour": 4, "minute": 49, "second": 17}
